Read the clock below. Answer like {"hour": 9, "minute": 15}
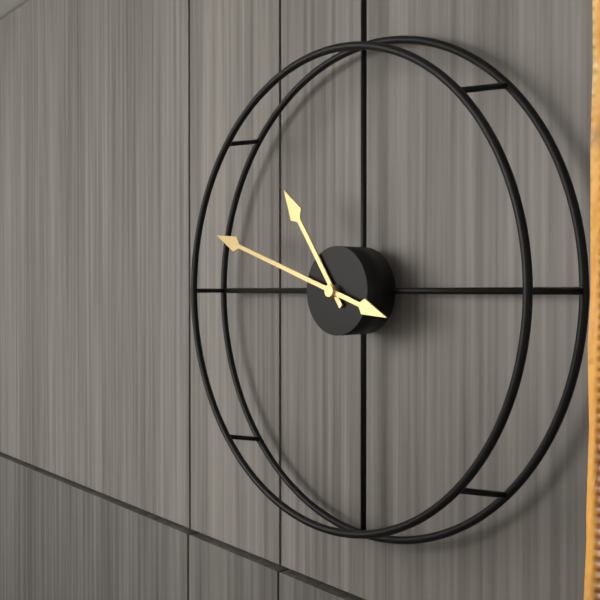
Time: {"hour": 10, "minute": 48}
